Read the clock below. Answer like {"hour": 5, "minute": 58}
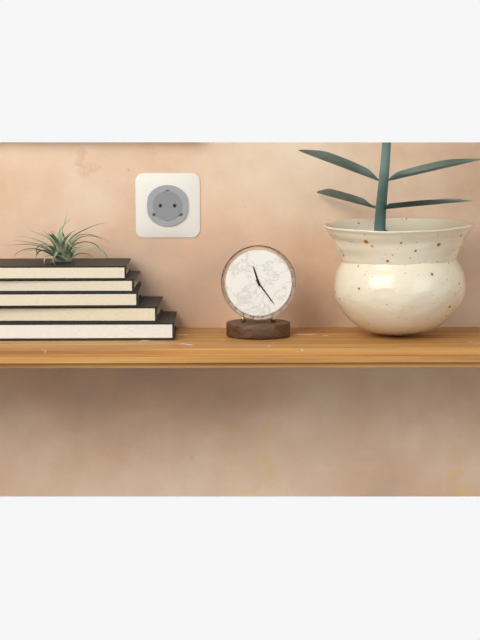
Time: {"hour": 11, "minute": 24}
